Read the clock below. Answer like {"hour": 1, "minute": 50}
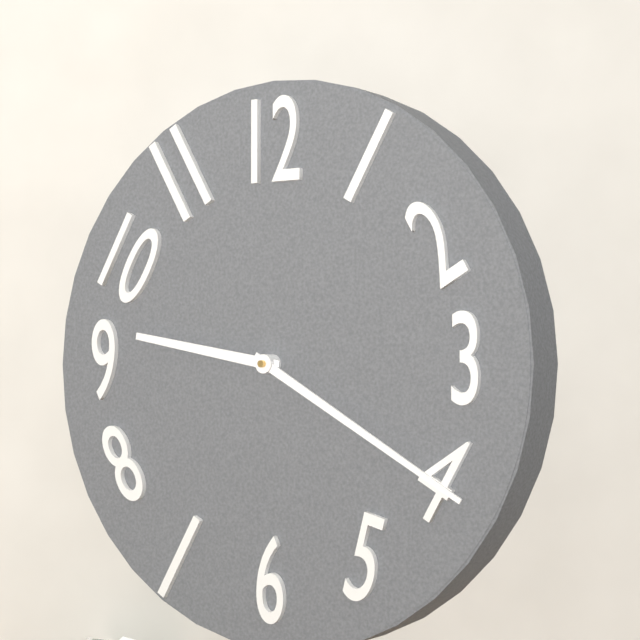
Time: {"hour": 9, "minute": 20}
